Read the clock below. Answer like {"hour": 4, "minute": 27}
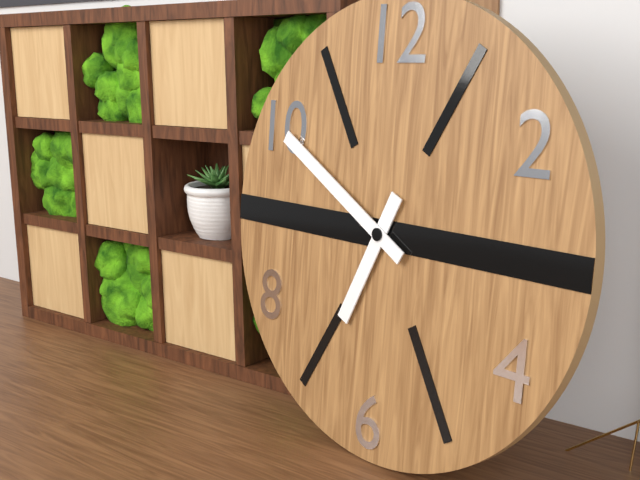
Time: {"hour": 6, "minute": 50}
